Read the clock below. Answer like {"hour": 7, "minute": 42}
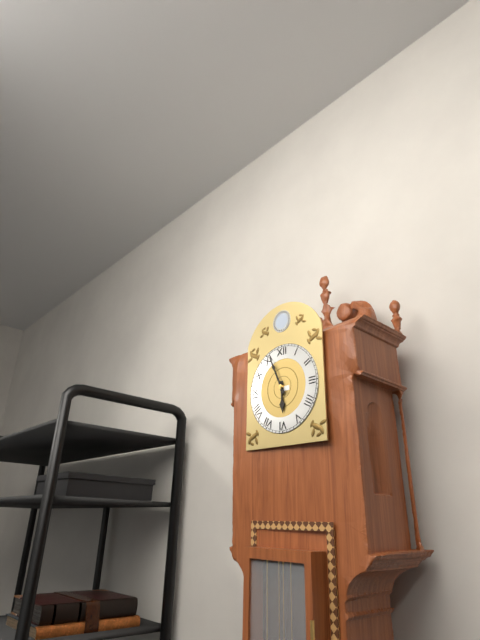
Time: {"hour": 5, "minute": 56}
